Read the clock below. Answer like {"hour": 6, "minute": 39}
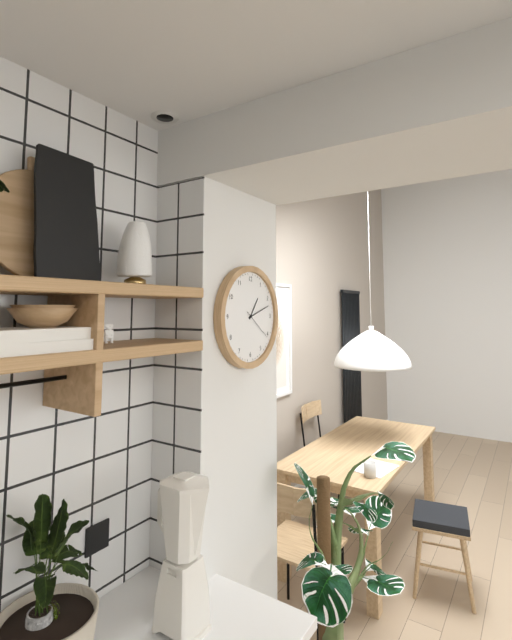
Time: {"hour": 1, "minute": 12}
